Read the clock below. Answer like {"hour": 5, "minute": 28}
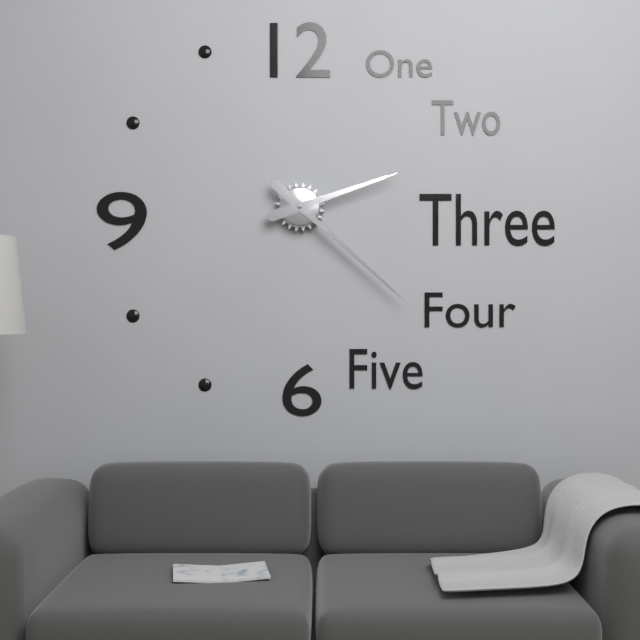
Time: {"hour": 2, "minute": 22}
